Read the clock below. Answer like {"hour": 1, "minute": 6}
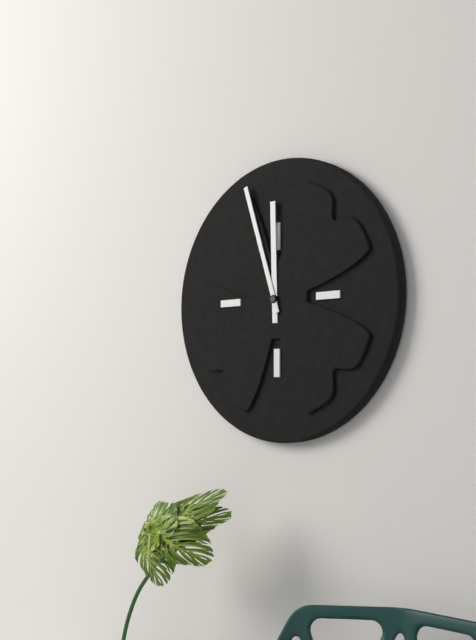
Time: {"hour": 11, "minute": 57}
